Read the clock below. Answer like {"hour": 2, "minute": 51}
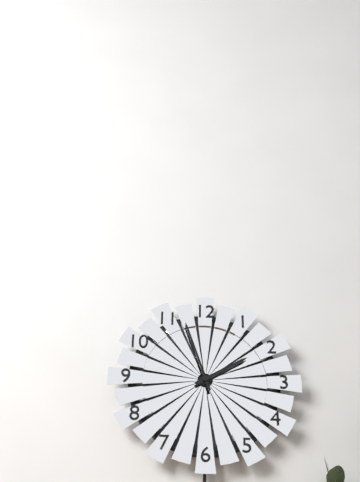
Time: {"hour": 1, "minute": 57}
